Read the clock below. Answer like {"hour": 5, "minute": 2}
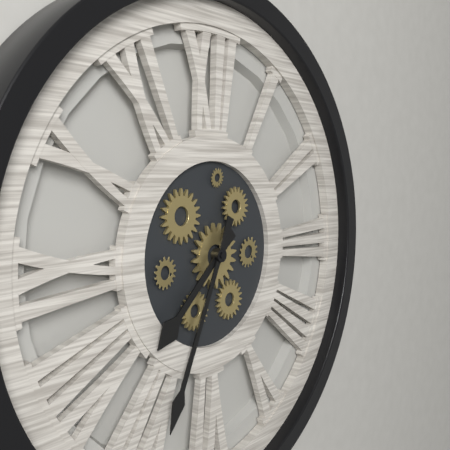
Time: {"hour": 7, "minute": 34}
